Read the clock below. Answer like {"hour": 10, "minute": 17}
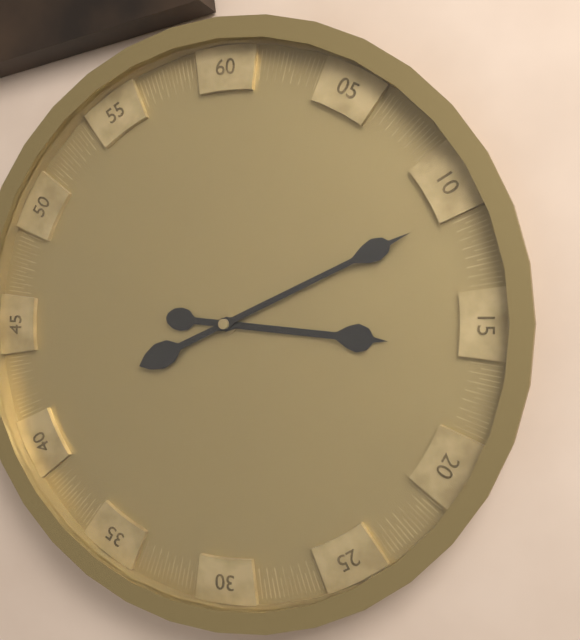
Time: {"hour": 3, "minute": 11}
